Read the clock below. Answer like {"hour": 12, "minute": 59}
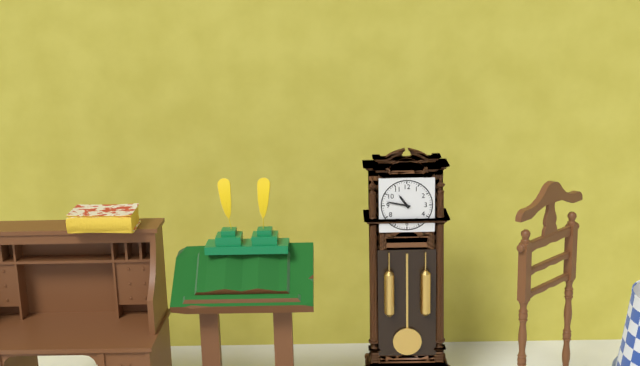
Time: {"hour": 10, "minute": 47}
